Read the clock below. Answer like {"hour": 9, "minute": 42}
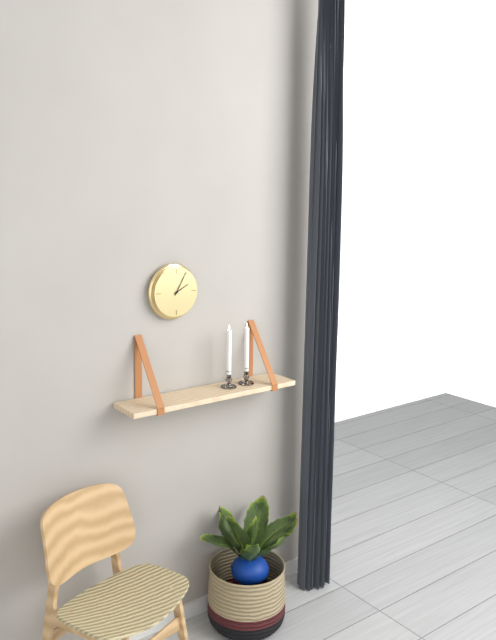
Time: {"hour": 2, "minute": 5}
